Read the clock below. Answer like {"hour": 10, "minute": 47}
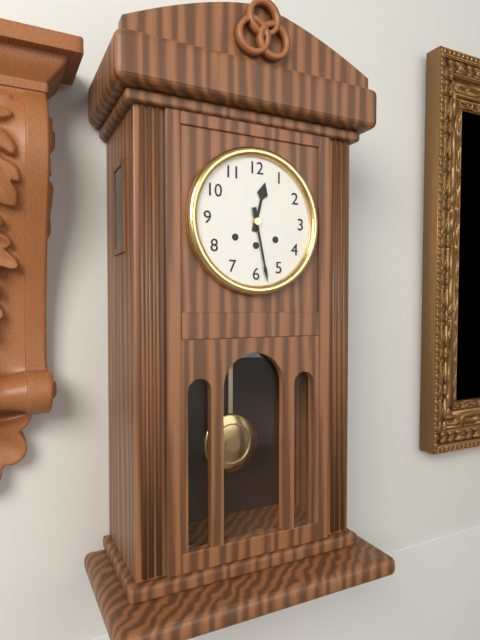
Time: {"hour": 12, "minute": 28}
